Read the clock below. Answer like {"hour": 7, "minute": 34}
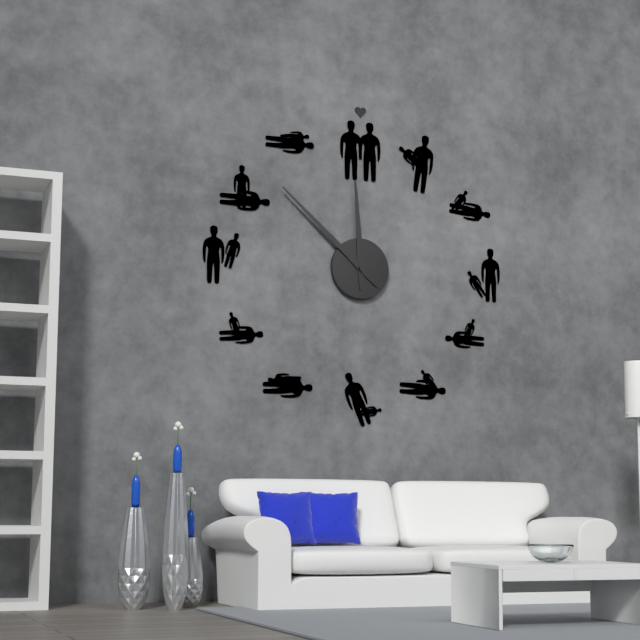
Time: {"hour": 11, "minute": 52}
